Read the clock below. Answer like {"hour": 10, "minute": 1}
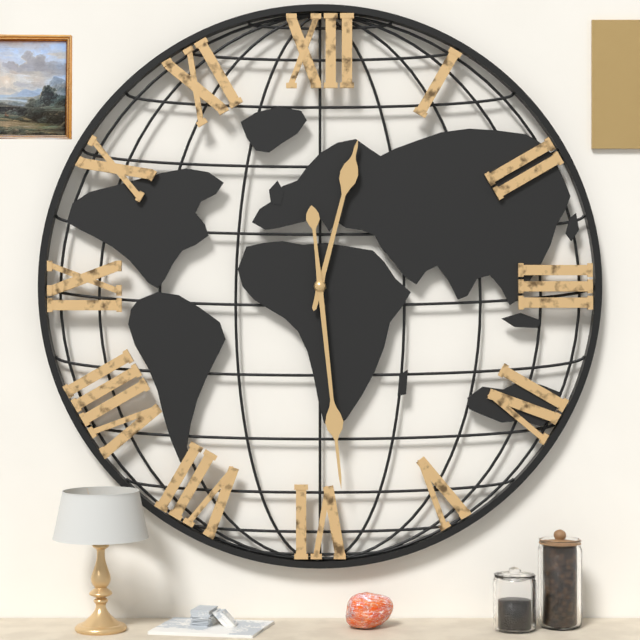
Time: {"hour": 12, "minute": 29}
